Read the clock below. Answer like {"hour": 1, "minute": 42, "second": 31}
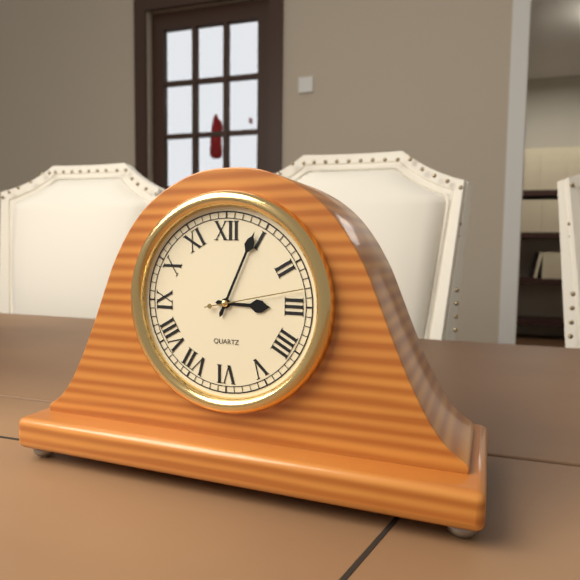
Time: {"hour": 3, "minute": 4, "second": 13}
